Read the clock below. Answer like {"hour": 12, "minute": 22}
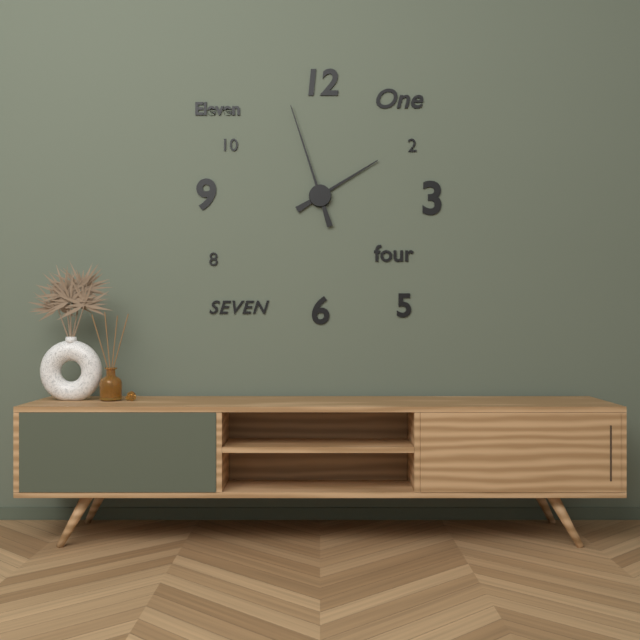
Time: {"hour": 1, "minute": 57}
